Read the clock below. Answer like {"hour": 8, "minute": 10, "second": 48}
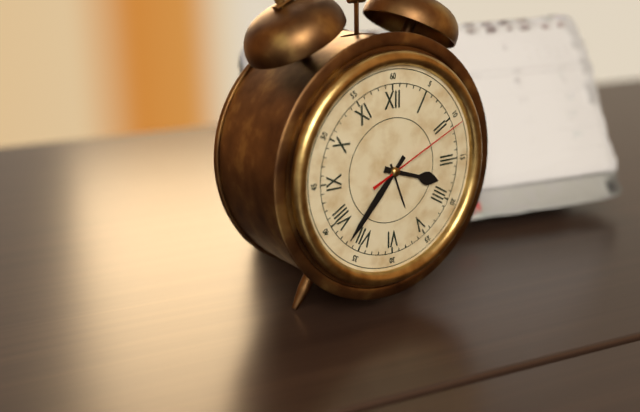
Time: {"hour": 3, "minute": 37, "second": 11}
